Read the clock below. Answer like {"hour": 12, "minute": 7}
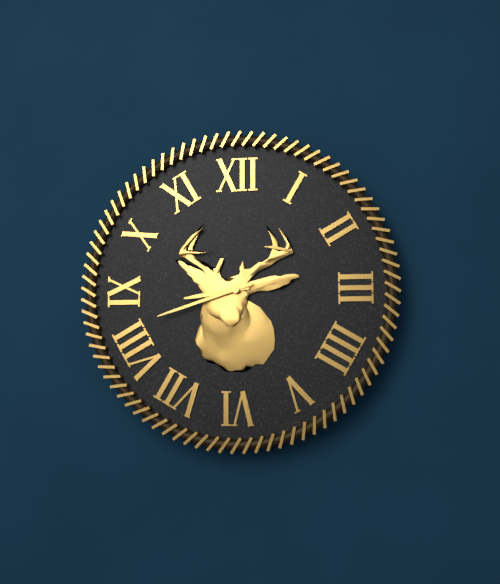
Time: {"hour": 8, "minute": 42}
